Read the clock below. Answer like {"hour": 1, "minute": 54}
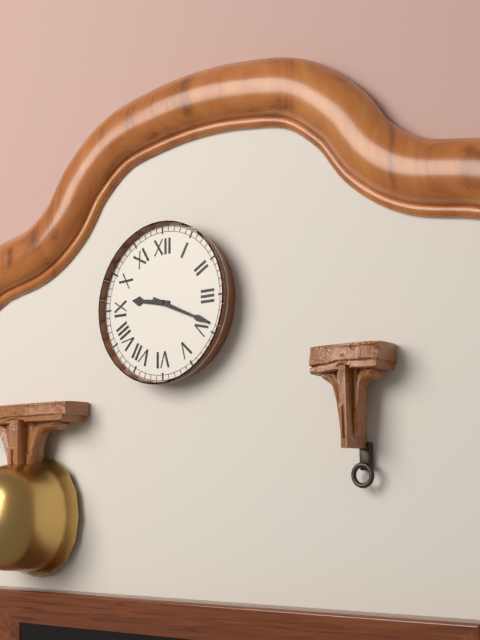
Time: {"hour": 9, "minute": 19}
